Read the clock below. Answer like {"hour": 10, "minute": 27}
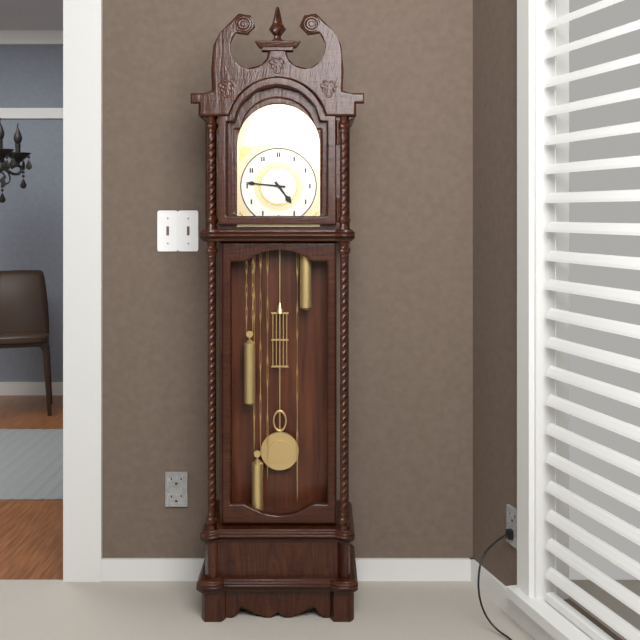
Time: {"hour": 4, "minute": 46}
